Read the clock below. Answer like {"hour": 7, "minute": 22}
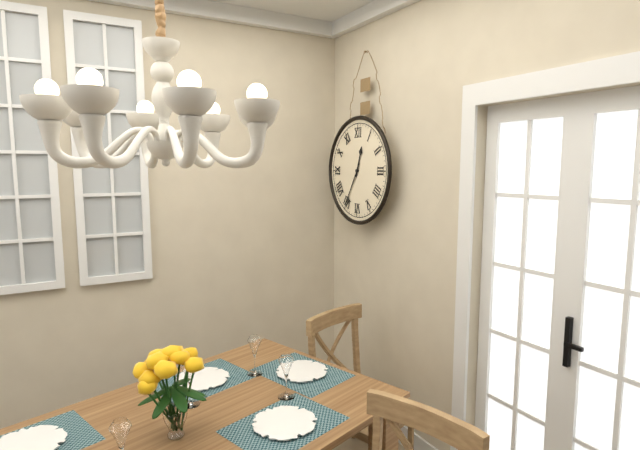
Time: {"hour": 12, "minute": 35}
